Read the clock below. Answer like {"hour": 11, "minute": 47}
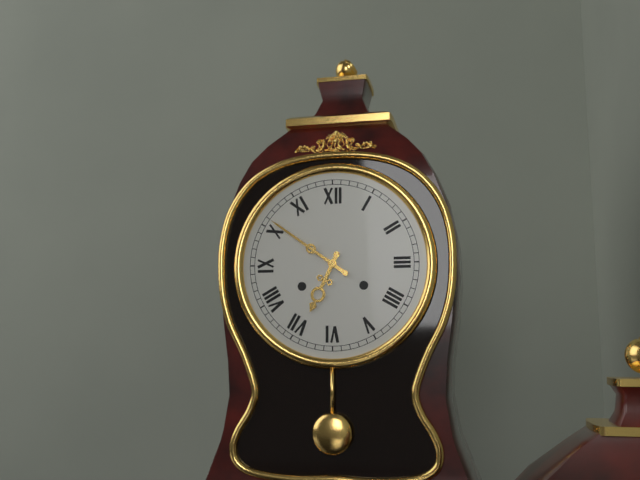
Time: {"hour": 6, "minute": 51}
